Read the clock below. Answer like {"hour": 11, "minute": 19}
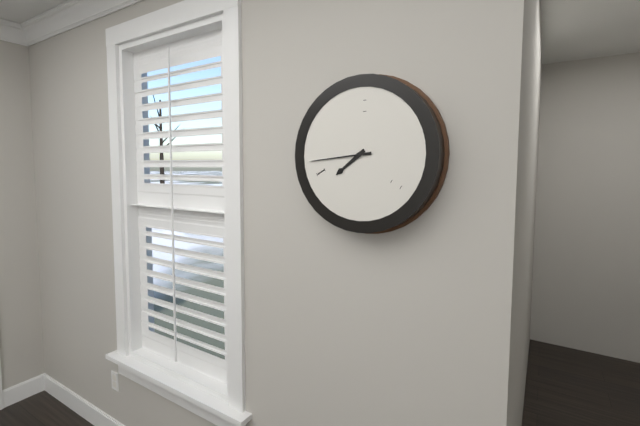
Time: {"hour": 7, "minute": 44}
